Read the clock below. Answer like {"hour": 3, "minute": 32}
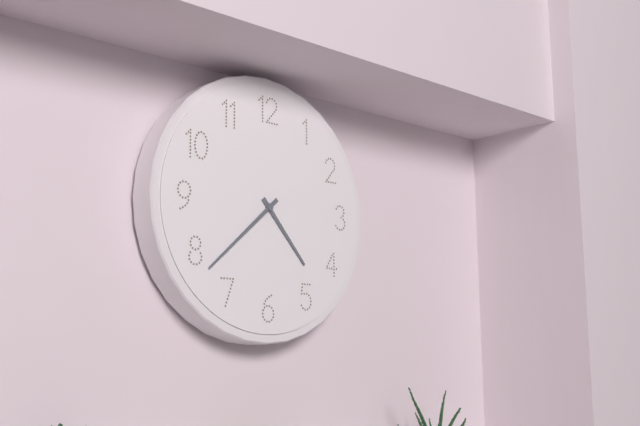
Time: {"hour": 4, "minute": 38}
